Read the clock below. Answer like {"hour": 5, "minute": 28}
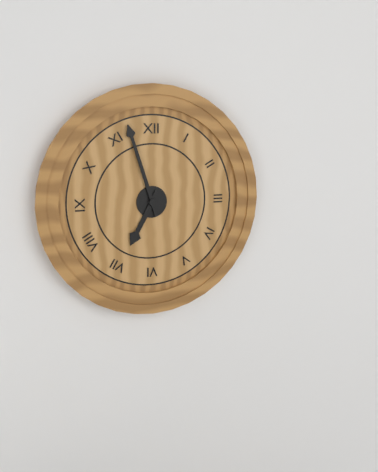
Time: {"hour": 6, "minute": 57}
